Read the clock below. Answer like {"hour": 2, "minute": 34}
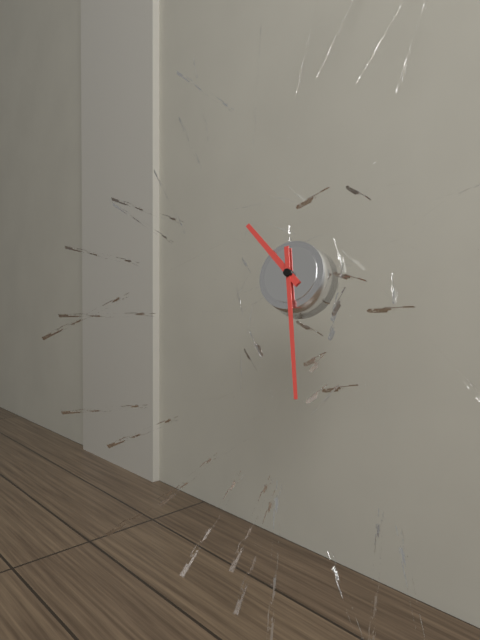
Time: {"hour": 10, "minute": 28}
